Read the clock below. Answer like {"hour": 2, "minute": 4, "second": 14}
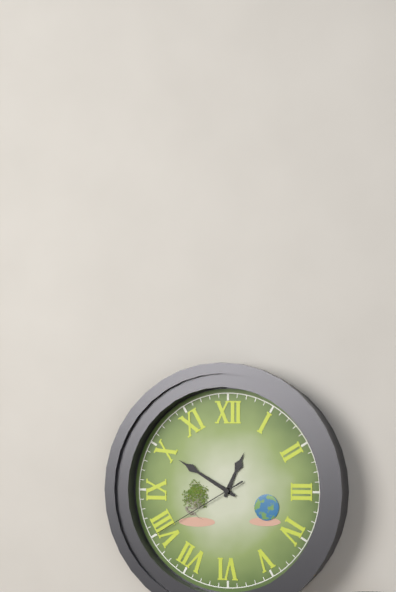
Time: {"hour": 12, "minute": 50, "second": 40}
